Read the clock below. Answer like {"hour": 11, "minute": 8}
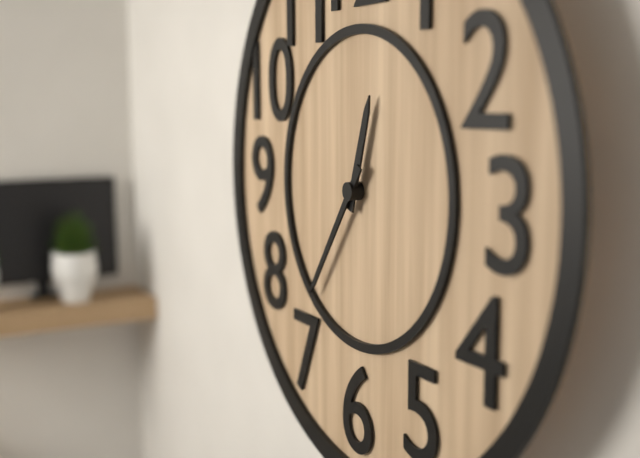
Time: {"hour": 12, "minute": 36}
